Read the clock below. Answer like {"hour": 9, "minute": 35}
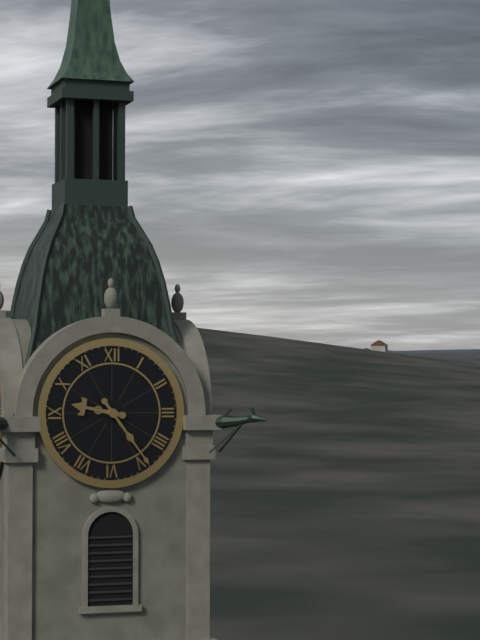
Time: {"hour": 9, "minute": 24}
